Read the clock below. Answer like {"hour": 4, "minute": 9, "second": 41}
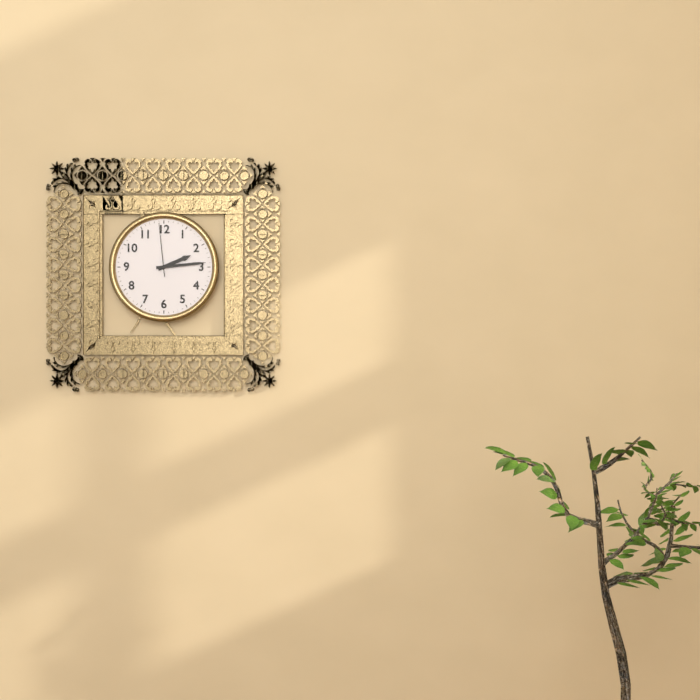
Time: {"hour": 2, "minute": 14, "second": 59}
